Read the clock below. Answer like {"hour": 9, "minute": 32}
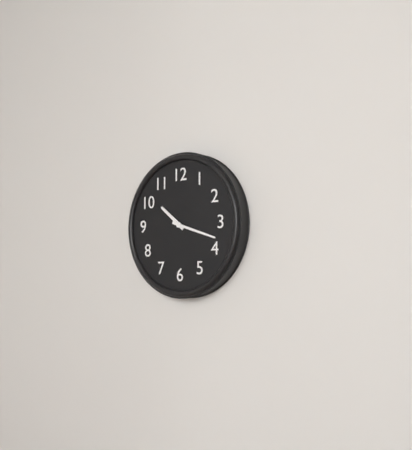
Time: {"hour": 10, "minute": 18}
